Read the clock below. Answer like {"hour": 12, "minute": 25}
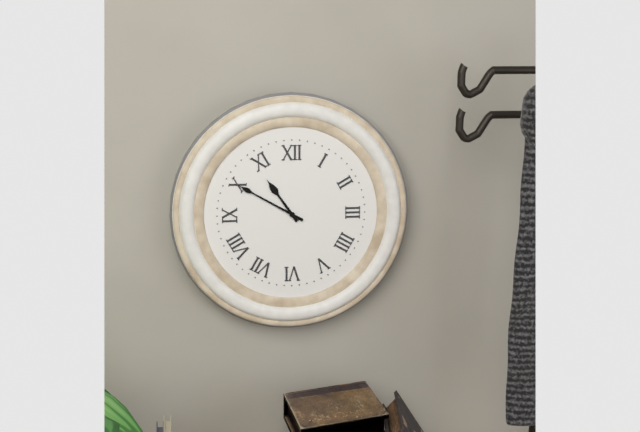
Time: {"hour": 10, "minute": 50}
